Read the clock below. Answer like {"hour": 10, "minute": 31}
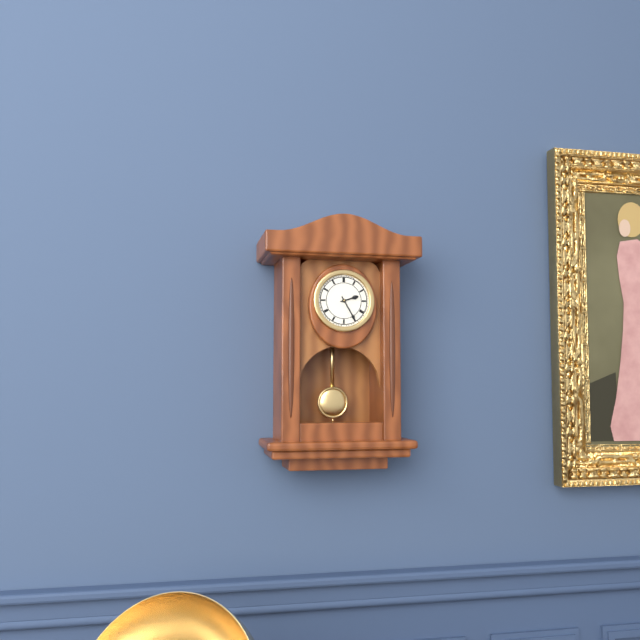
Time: {"hour": 2, "minute": 25}
